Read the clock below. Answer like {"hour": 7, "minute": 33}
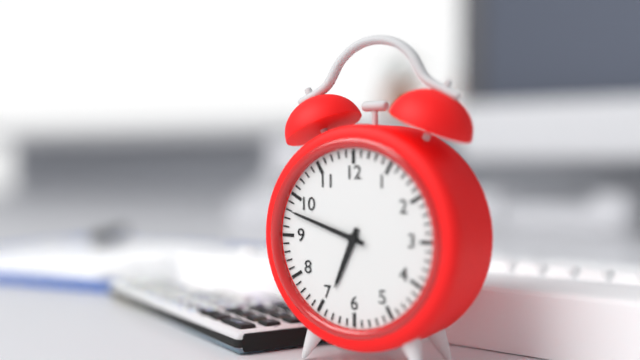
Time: {"hour": 6, "minute": 48}
